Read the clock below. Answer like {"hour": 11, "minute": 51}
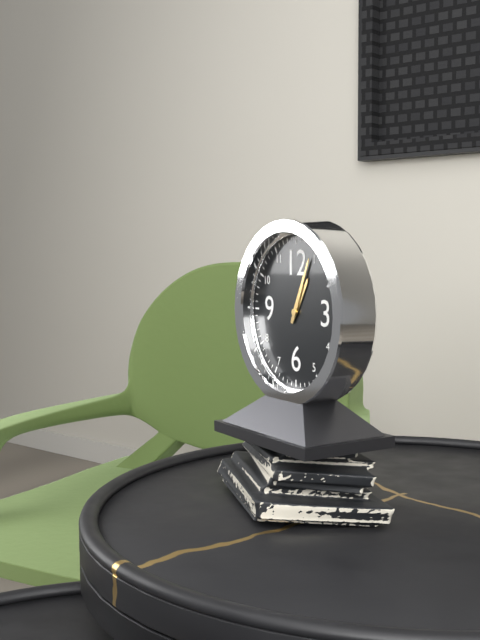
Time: {"hour": 1, "minute": 4}
